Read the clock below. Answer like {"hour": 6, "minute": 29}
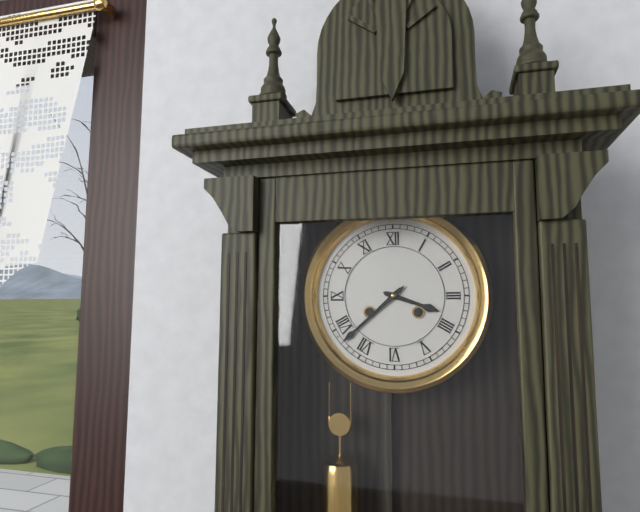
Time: {"hour": 3, "minute": 38}
